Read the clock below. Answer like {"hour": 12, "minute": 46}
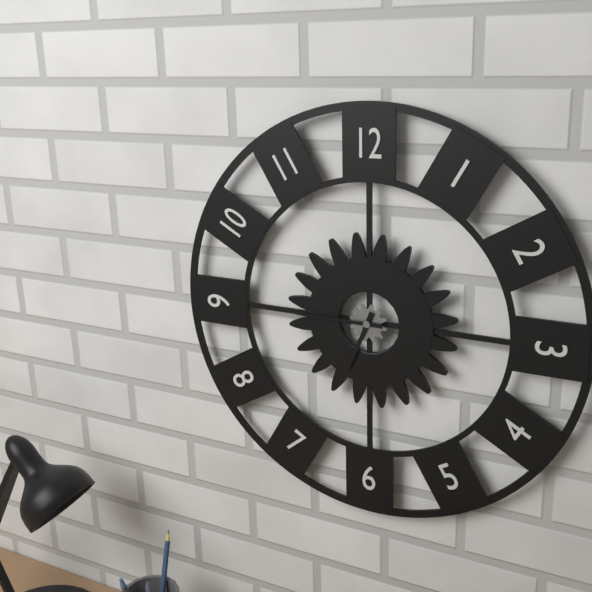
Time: {"hour": 6, "minute": 45}
